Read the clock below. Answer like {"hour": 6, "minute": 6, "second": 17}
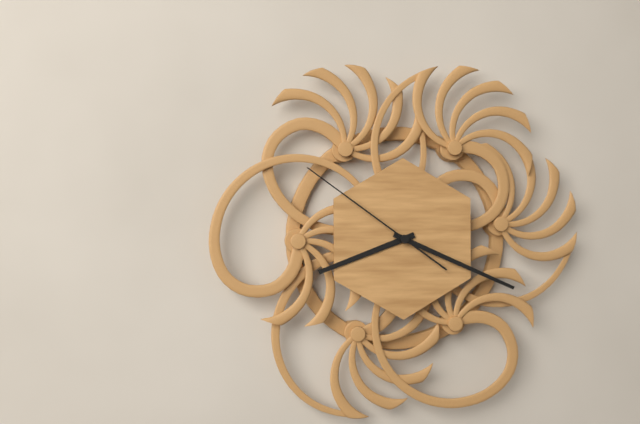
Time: {"hour": 8, "minute": 19, "second": 51}
